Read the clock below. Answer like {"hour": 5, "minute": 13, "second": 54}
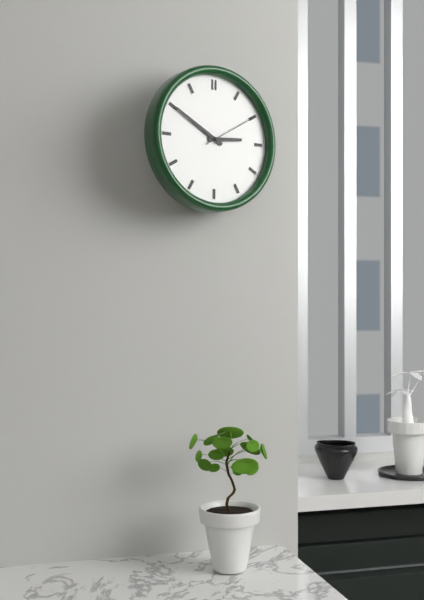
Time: {"hour": 2, "minute": 50, "second": 10}
